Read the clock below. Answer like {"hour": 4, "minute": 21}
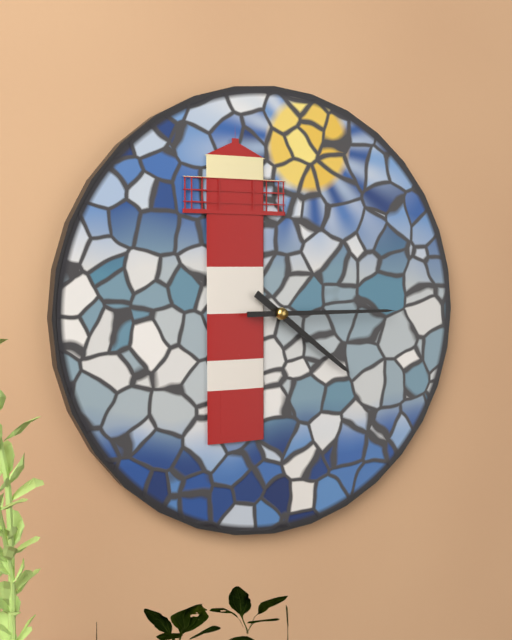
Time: {"hour": 4, "minute": 15}
